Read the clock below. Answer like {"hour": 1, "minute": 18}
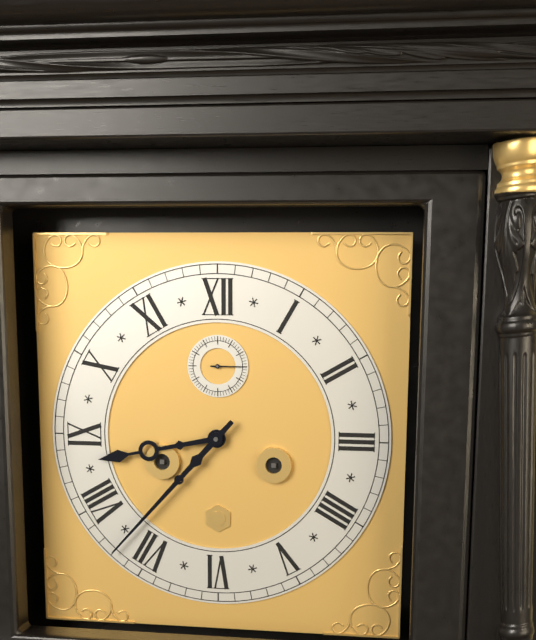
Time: {"hour": 8, "minute": 37}
